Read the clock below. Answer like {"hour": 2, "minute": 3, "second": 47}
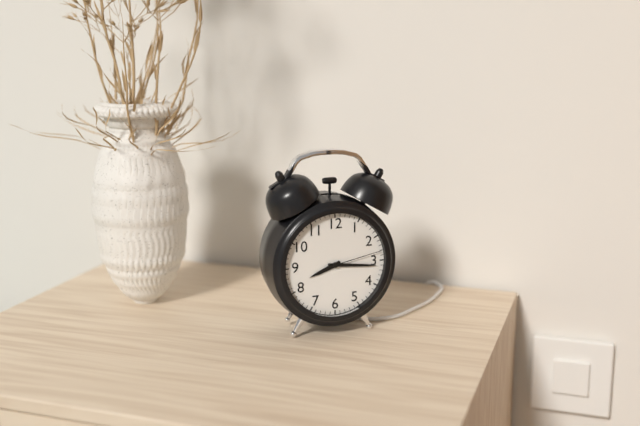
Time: {"hour": 8, "minute": 16, "second": 13}
